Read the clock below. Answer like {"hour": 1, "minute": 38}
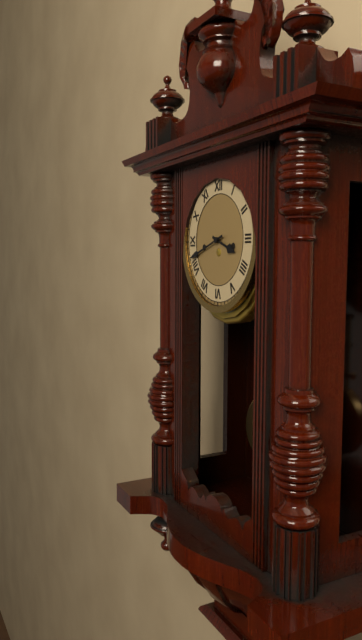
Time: {"hour": 3, "minute": 42}
